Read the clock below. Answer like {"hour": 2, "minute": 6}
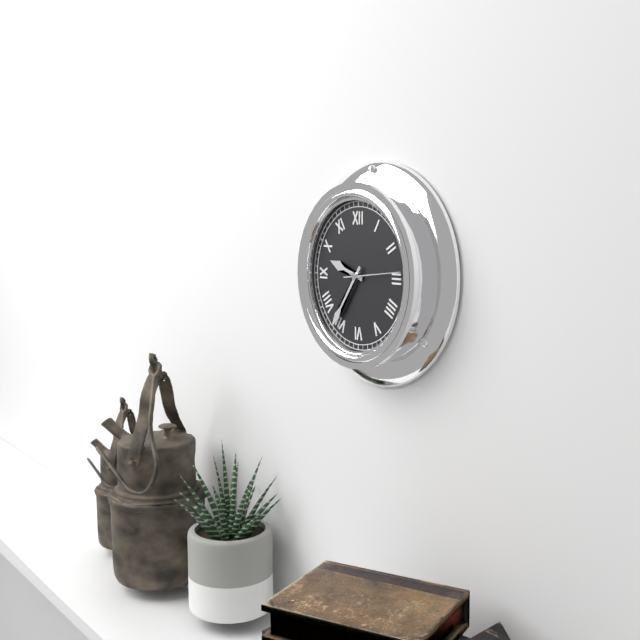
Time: {"hour": 9, "minute": 36}
